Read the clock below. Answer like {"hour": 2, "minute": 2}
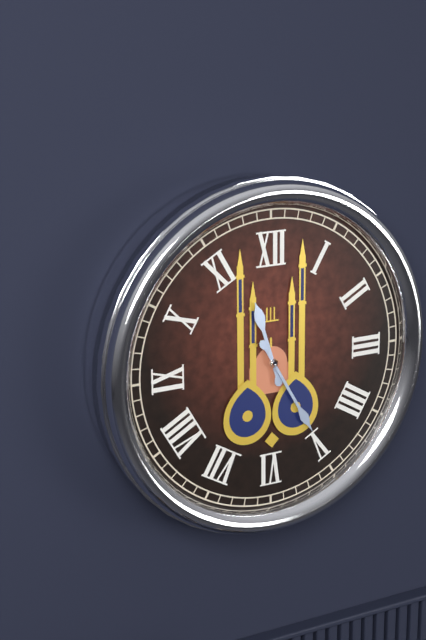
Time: {"hour": 11, "minute": 25}
